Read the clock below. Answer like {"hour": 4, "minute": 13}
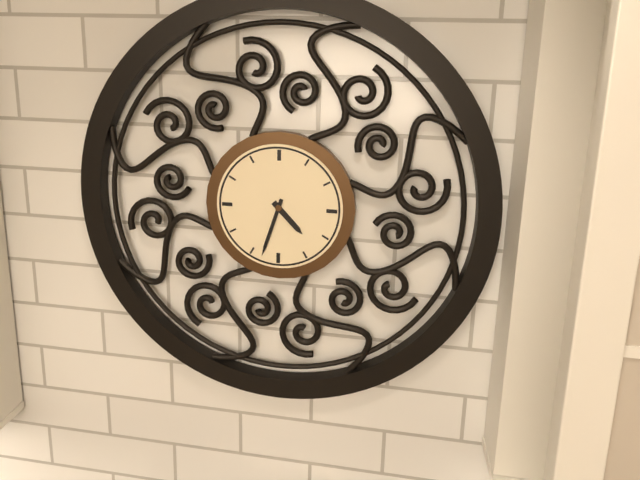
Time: {"hour": 4, "minute": 33}
